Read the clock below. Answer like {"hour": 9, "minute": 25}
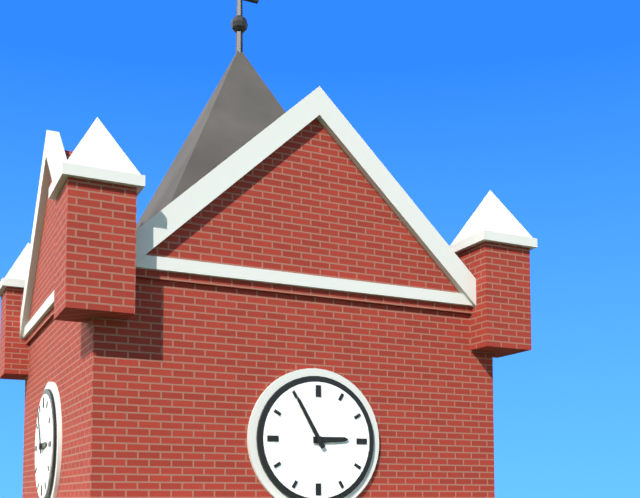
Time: {"hour": 2, "minute": 55}
